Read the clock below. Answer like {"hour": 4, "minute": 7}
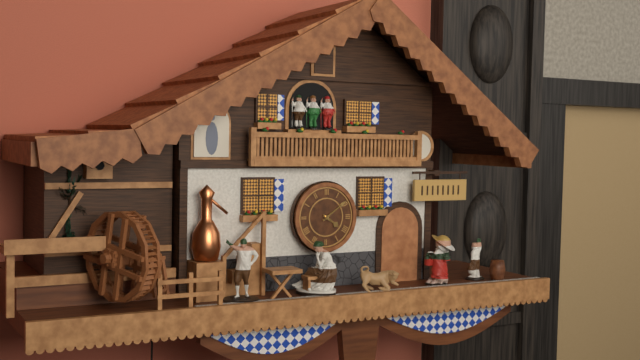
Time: {"hour": 4, "minute": 9}
